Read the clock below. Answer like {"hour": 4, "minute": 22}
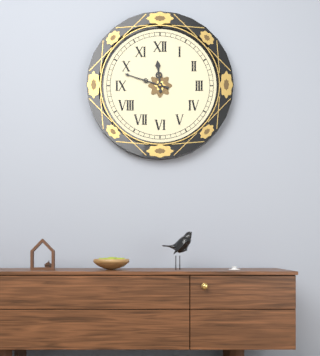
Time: {"hour": 11, "minute": 48}
